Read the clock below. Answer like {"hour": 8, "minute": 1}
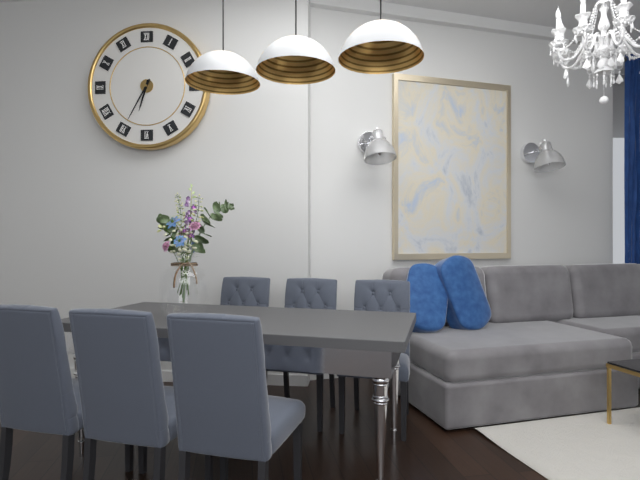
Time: {"hour": 6, "minute": 35}
